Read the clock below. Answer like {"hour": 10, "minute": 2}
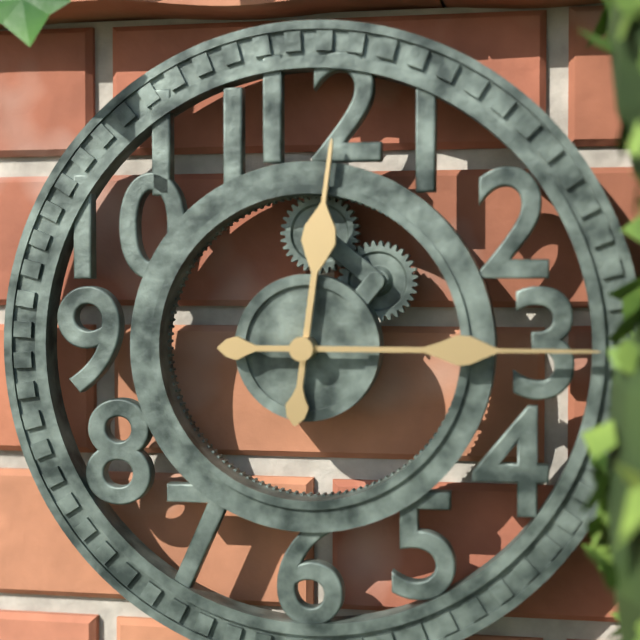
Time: {"hour": 12, "minute": 15}
